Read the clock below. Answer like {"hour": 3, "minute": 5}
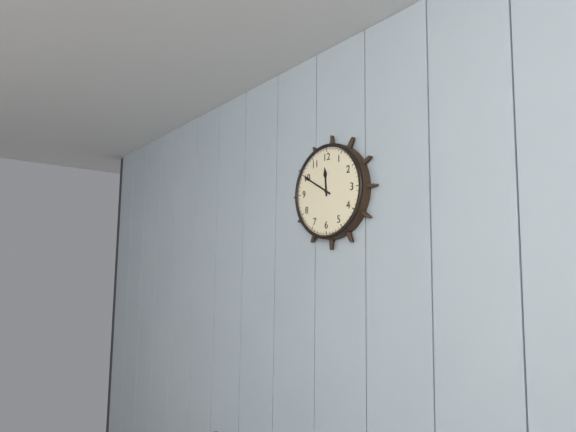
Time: {"hour": 11, "minute": 50}
